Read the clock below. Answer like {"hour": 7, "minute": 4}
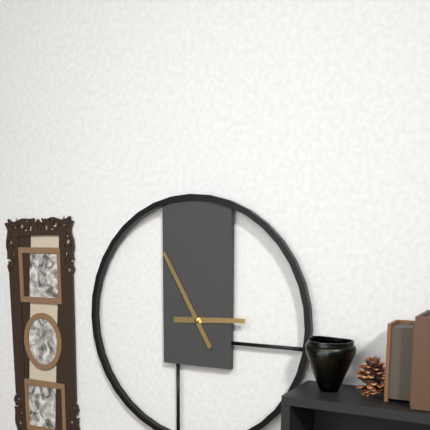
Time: {"hour": 2, "minute": 55}
